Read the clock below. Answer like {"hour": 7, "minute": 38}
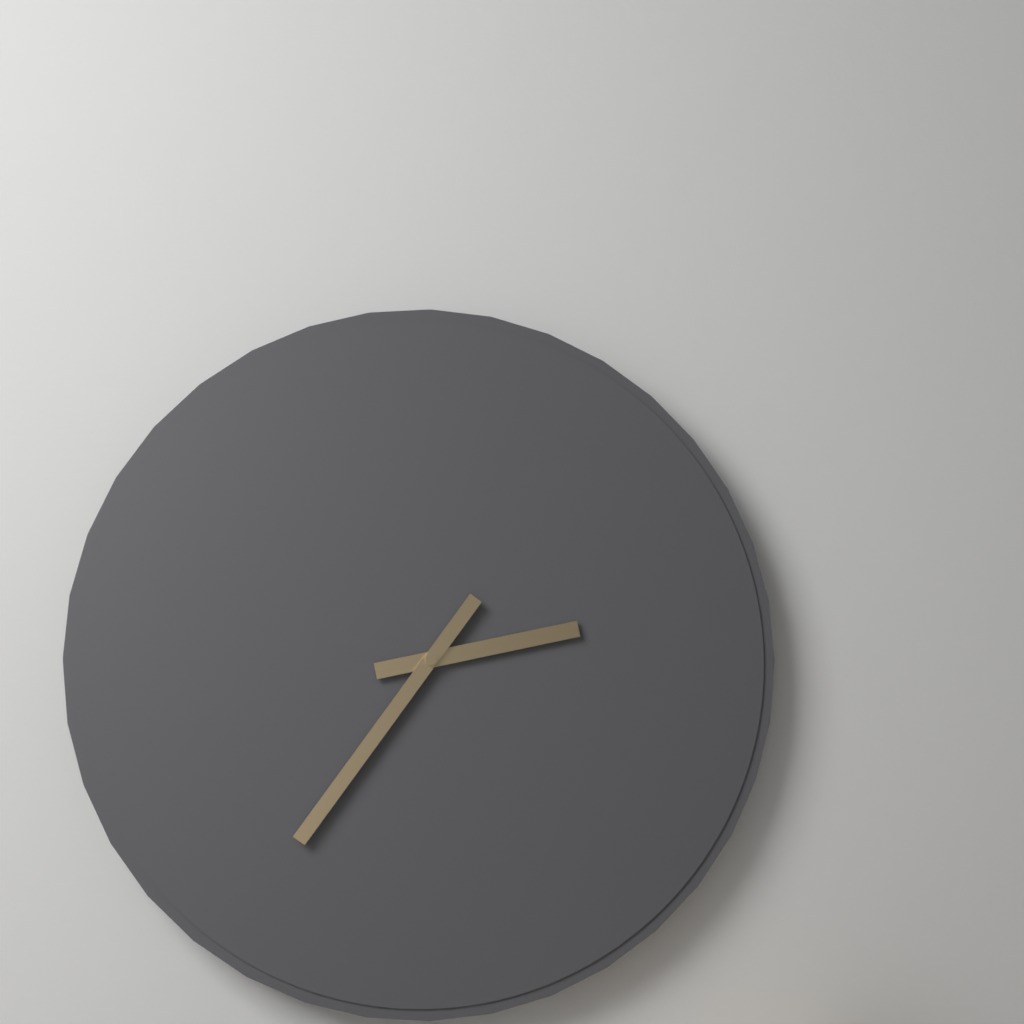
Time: {"hour": 2, "minute": 36}
